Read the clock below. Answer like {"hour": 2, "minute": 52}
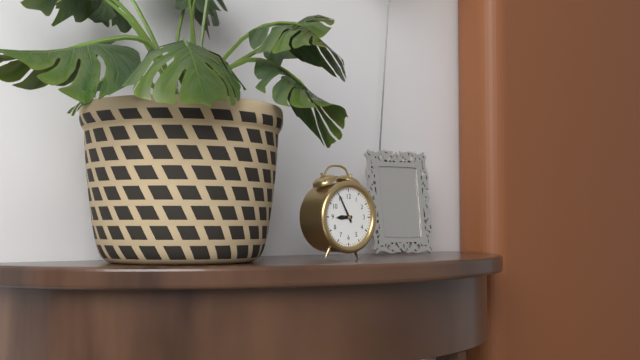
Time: {"hour": 8, "minute": 55}
